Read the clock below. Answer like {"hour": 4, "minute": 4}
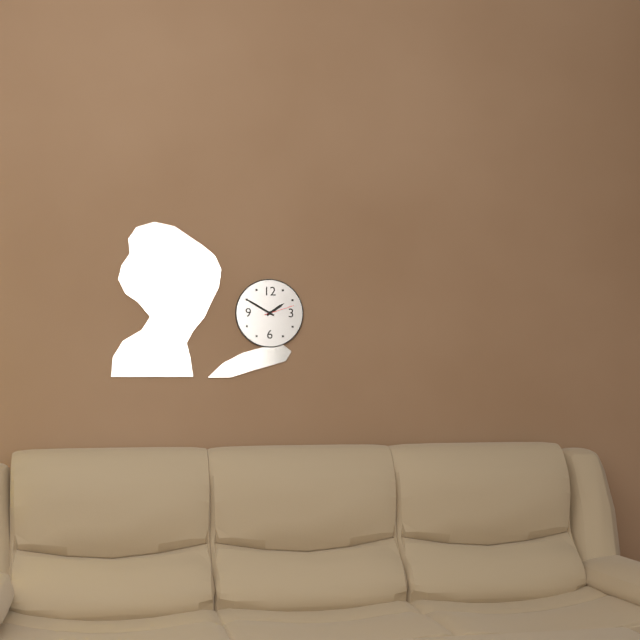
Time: {"hour": 1, "minute": 50}
